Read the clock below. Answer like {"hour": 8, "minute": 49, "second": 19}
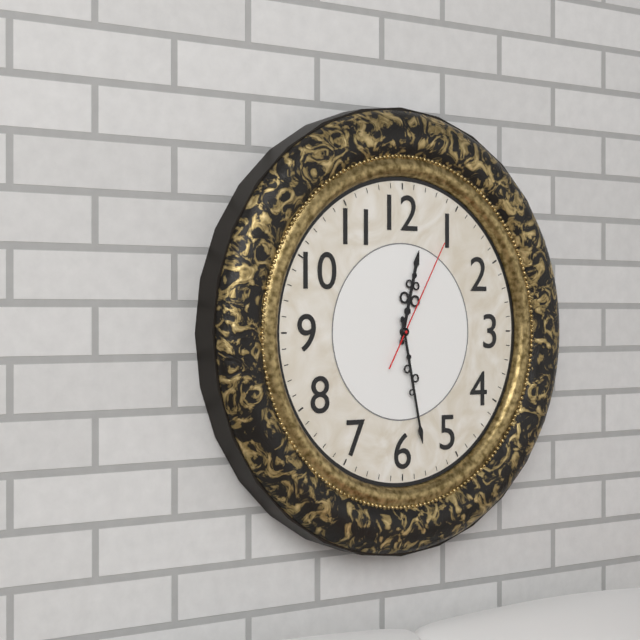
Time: {"hour": 12, "minute": 28, "second": 5}
